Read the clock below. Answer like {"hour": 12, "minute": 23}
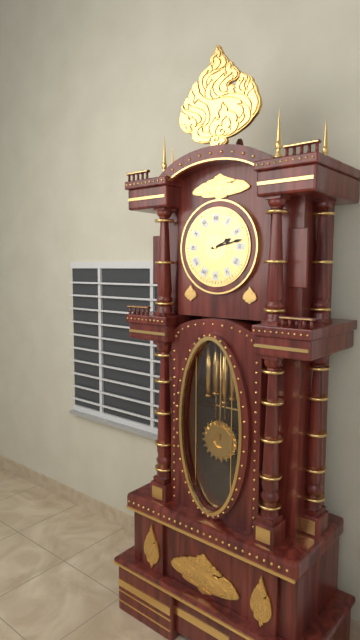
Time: {"hour": 2, "minute": 13}
